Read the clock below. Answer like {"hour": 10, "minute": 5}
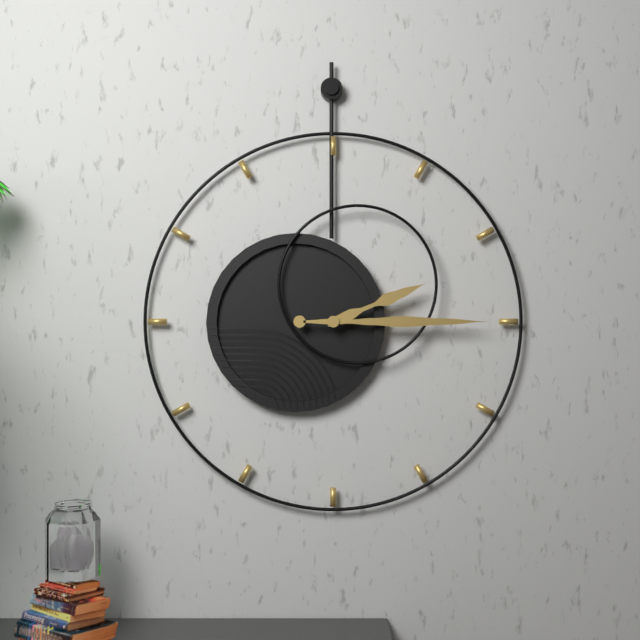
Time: {"hour": 2, "minute": 15}
